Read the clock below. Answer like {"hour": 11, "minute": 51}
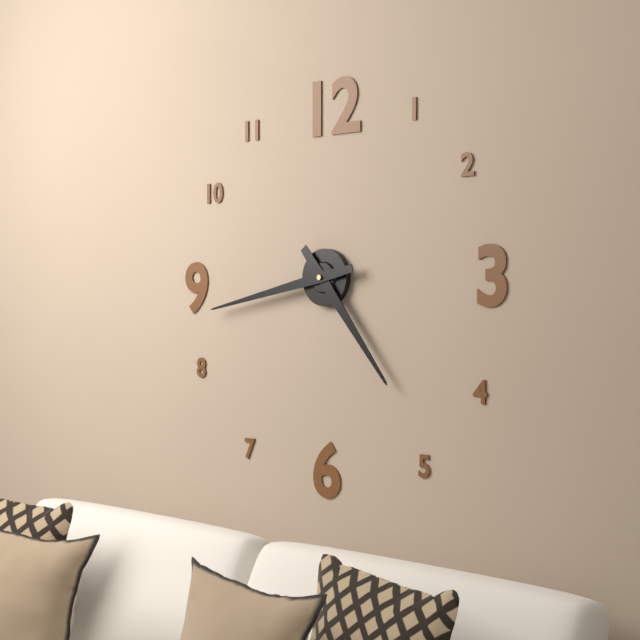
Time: {"hour": 4, "minute": 43}
